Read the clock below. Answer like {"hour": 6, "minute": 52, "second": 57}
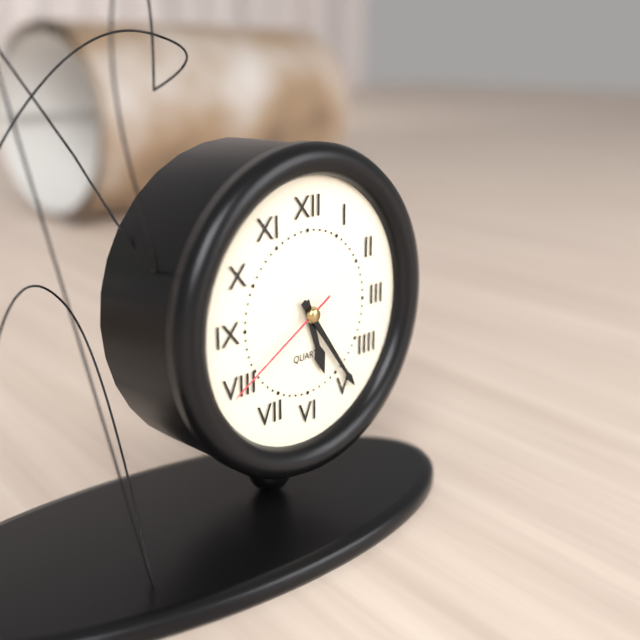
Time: {"hour": 5, "minute": 24, "second": 40}
